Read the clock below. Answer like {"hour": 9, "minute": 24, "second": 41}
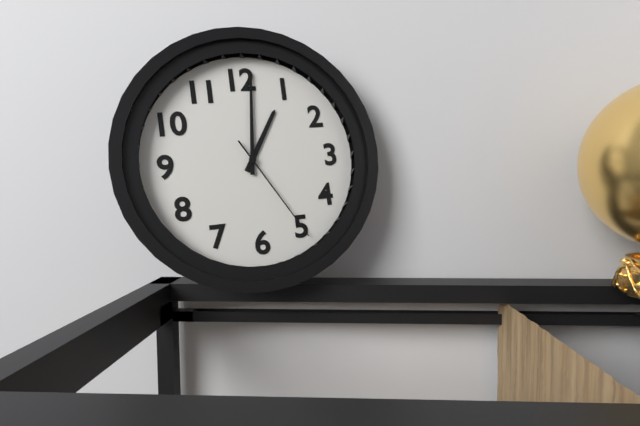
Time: {"hour": 1, "minute": 1, "second": 25}
